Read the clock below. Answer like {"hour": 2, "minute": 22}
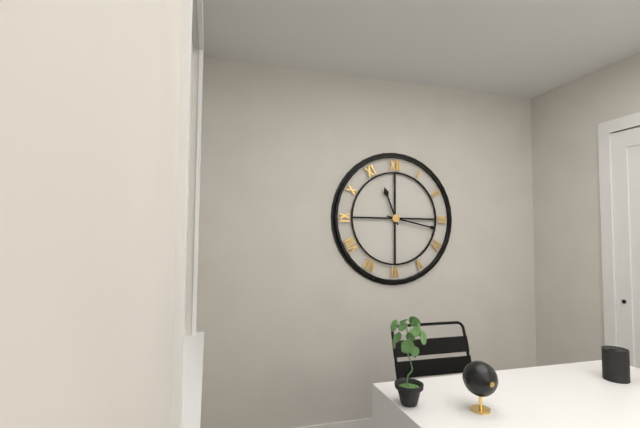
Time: {"hour": 11, "minute": 17}
